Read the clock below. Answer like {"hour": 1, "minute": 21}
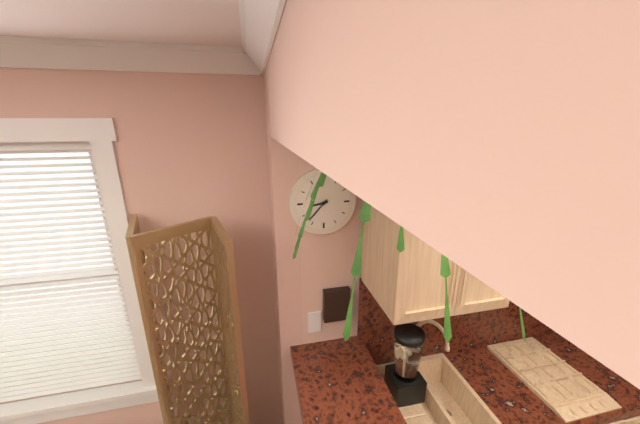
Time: {"hour": 8, "minute": 37}
